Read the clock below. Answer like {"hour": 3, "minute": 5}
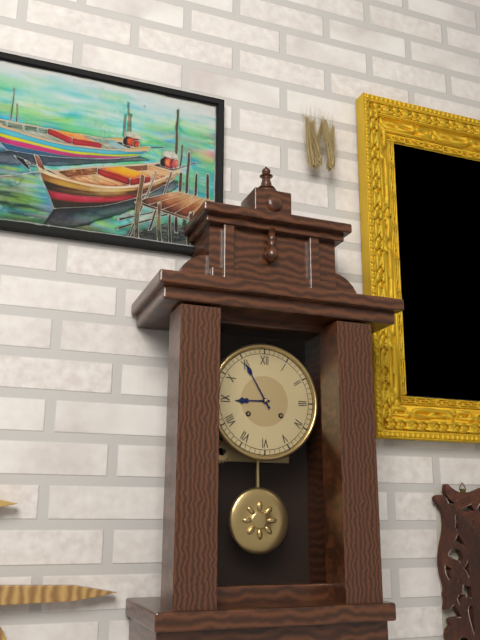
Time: {"hour": 8, "minute": 55}
